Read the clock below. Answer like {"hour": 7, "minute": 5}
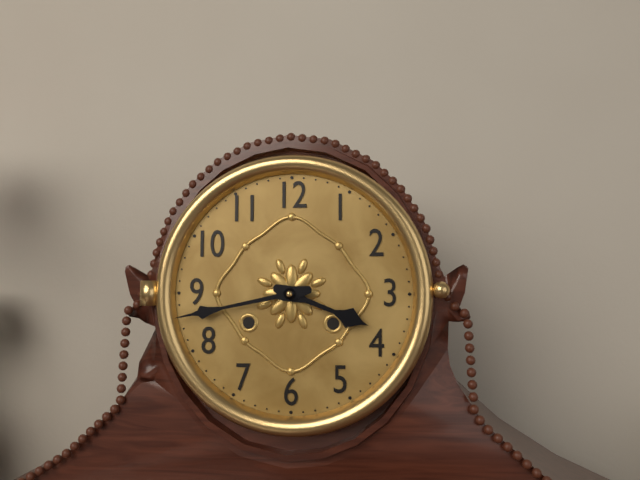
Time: {"hour": 3, "minute": 43}
